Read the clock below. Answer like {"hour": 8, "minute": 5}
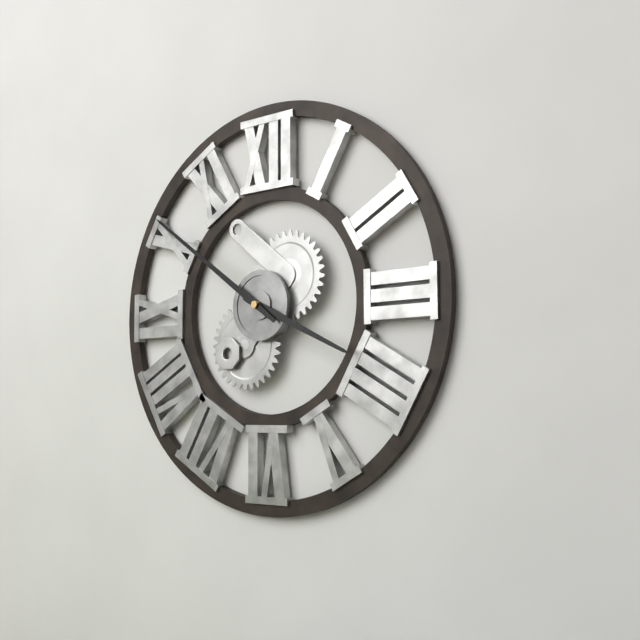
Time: {"hour": 3, "minute": 51}
